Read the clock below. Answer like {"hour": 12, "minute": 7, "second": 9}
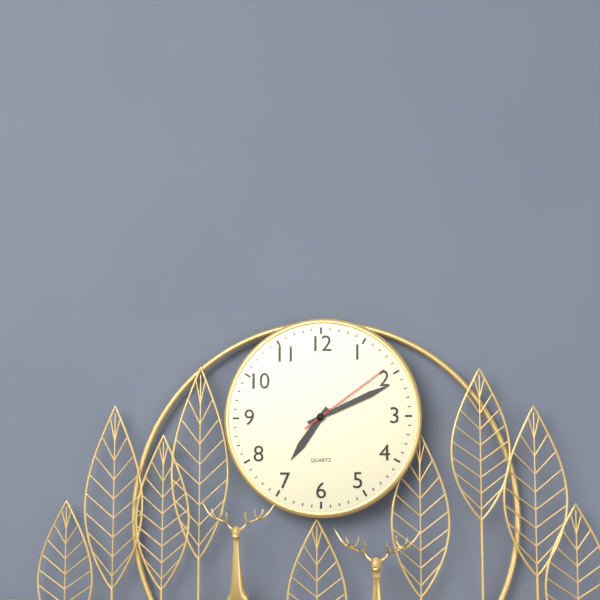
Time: {"hour": 7, "minute": 11, "second": 9}
